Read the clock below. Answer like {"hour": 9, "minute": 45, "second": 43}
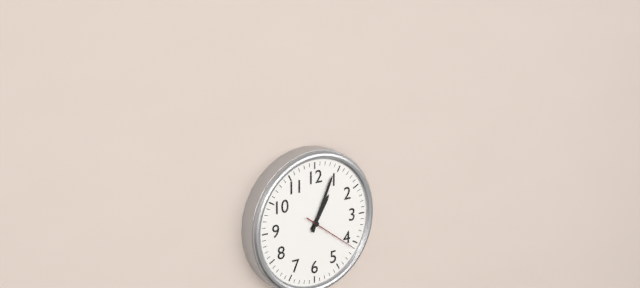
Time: {"hour": 1, "minute": 4, "second": 21}
